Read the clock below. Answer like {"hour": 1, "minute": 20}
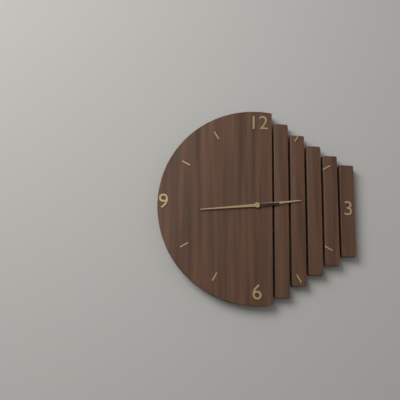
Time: {"hour": 2, "minute": 44}
